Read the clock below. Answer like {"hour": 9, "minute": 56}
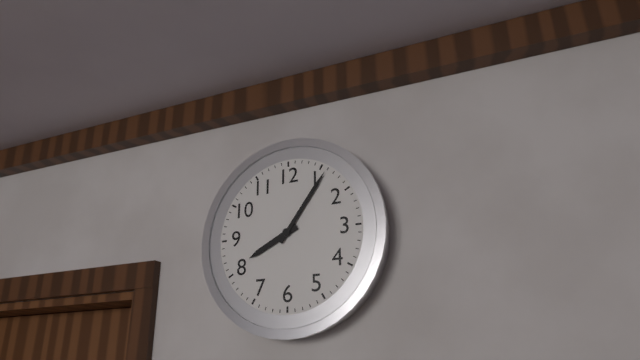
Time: {"hour": 8, "minute": 6}
